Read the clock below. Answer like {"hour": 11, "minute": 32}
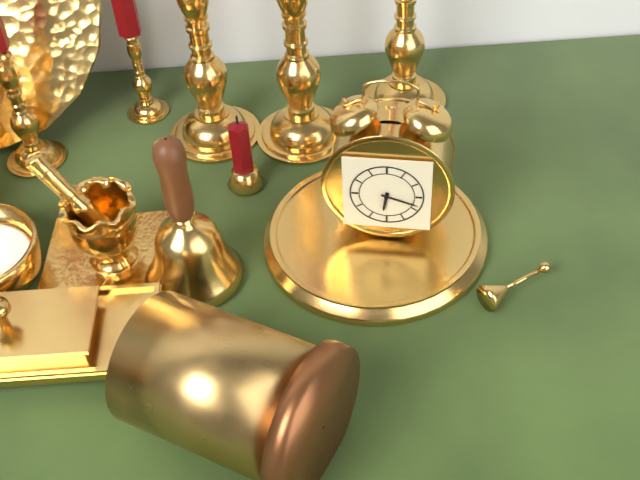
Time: {"hour": 6, "minute": 18}
